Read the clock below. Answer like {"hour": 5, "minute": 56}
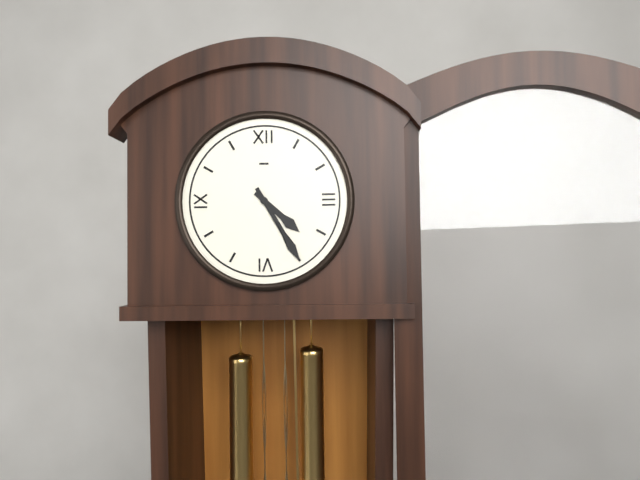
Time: {"hour": 4, "minute": 25}
